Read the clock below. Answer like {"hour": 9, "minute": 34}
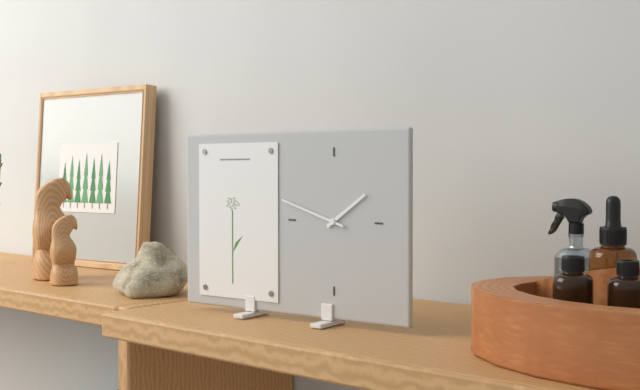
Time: {"hour": 1, "minute": 48}
